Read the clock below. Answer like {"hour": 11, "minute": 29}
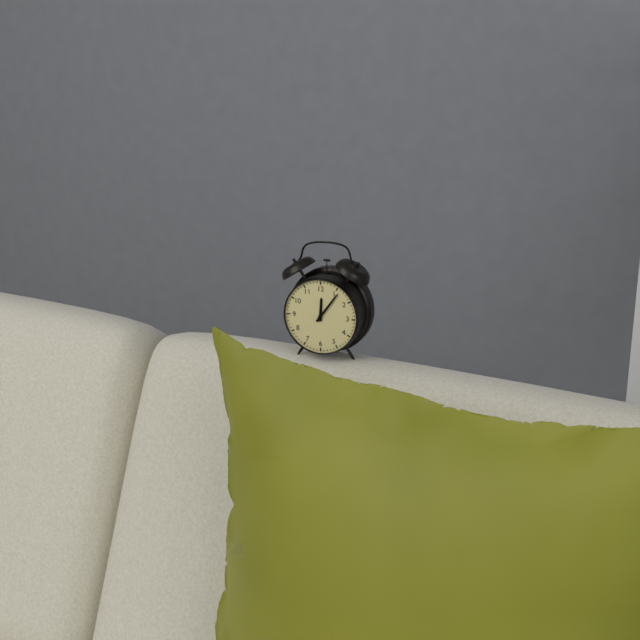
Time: {"hour": 12, "minute": 6}
